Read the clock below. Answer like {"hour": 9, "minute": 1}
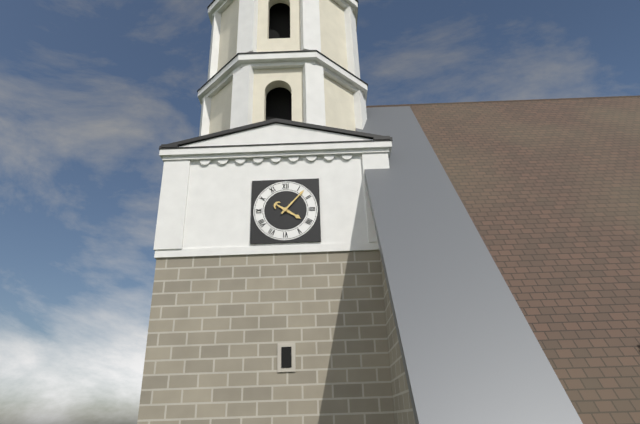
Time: {"hour": 4, "minute": 7}
